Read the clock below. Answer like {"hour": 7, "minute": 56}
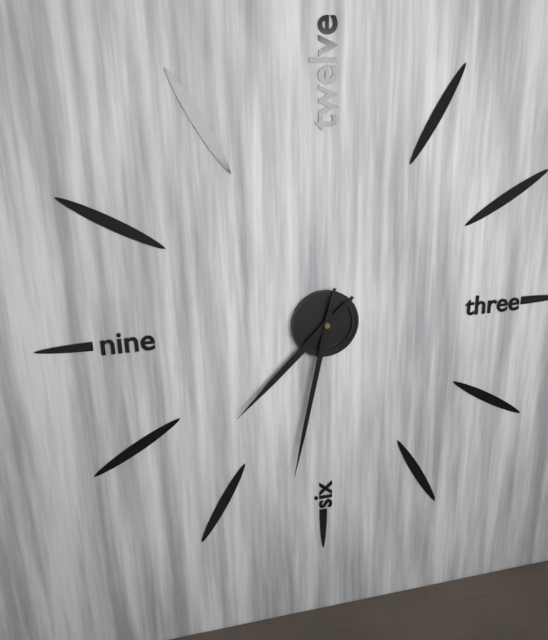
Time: {"hour": 7, "minute": 32}
